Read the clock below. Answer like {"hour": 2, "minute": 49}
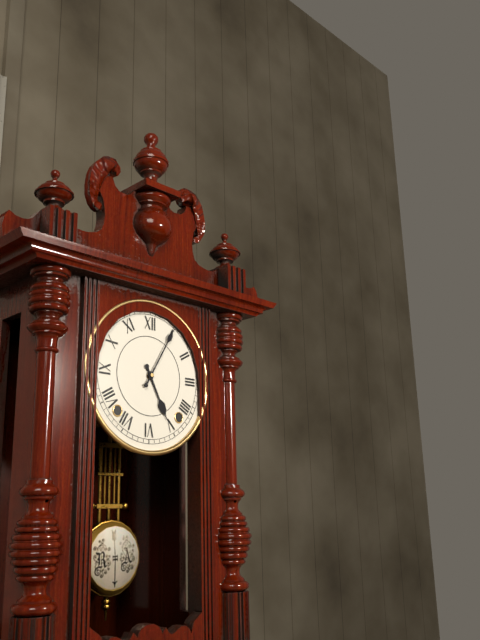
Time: {"hour": 5, "minute": 5}
